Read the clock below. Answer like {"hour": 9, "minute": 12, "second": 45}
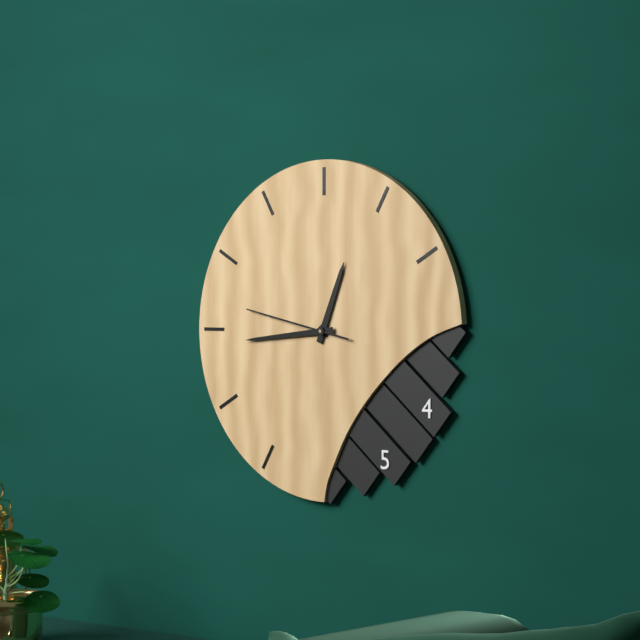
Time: {"hour": 12, "minute": 44, "second": 47}
